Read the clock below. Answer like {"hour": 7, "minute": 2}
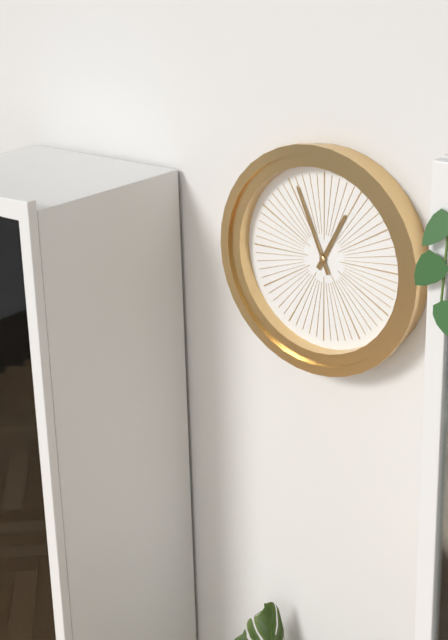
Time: {"hour": 12, "minute": 56}
